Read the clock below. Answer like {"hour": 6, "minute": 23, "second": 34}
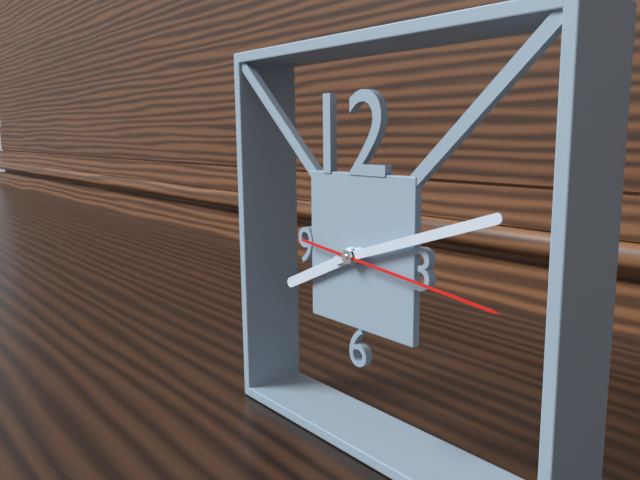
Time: {"hour": 8, "minute": 12, "second": 16}
